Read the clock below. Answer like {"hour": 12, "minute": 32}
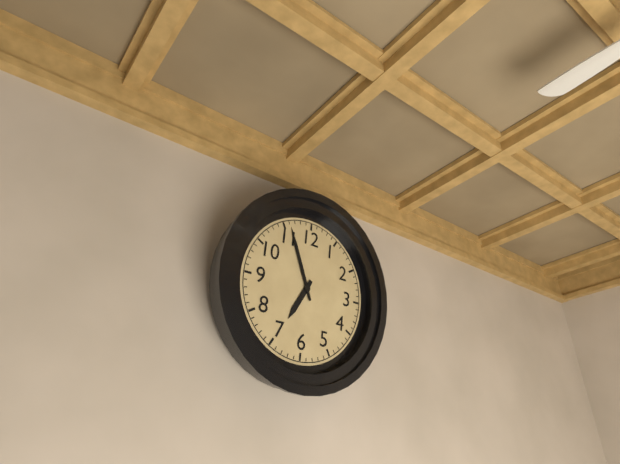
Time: {"hour": 6, "minute": 56}
